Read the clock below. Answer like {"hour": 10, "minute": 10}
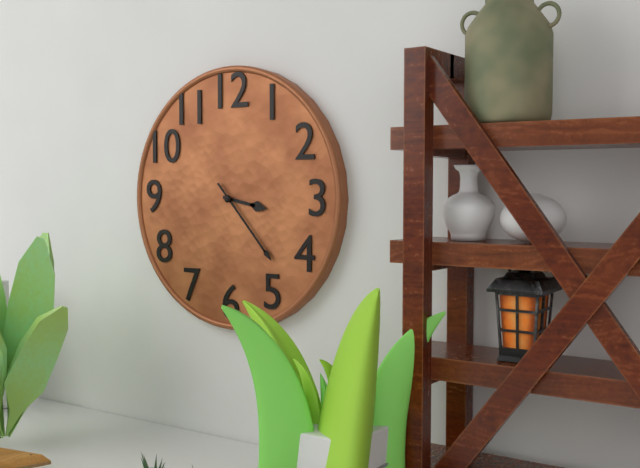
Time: {"hour": 3, "minute": 23}
